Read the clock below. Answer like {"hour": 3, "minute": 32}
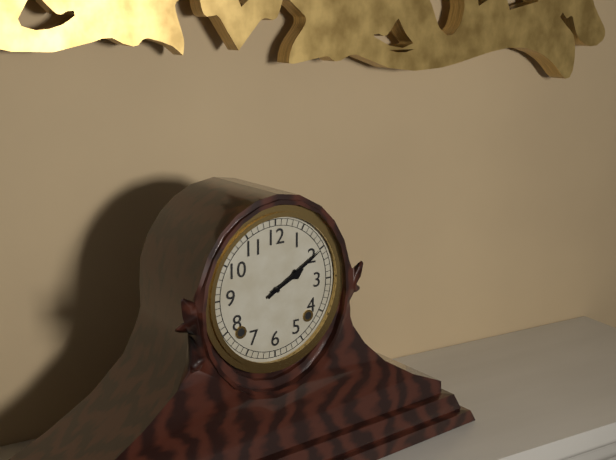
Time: {"hour": 2, "minute": 10}
